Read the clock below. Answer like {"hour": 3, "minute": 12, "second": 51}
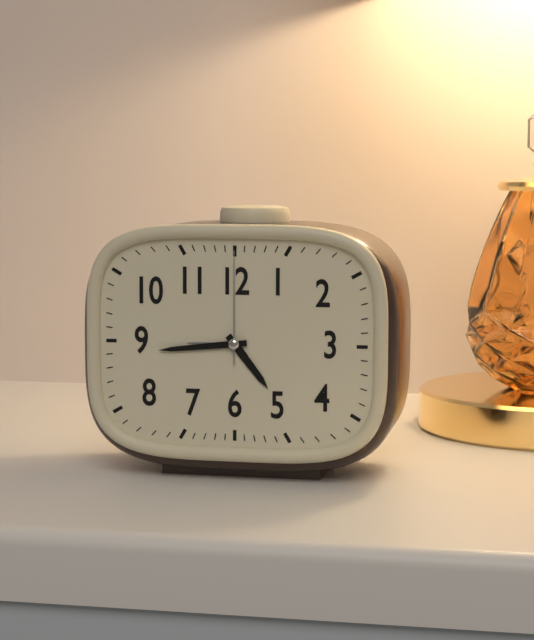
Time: {"hour": 4, "minute": 44, "second": 0}
